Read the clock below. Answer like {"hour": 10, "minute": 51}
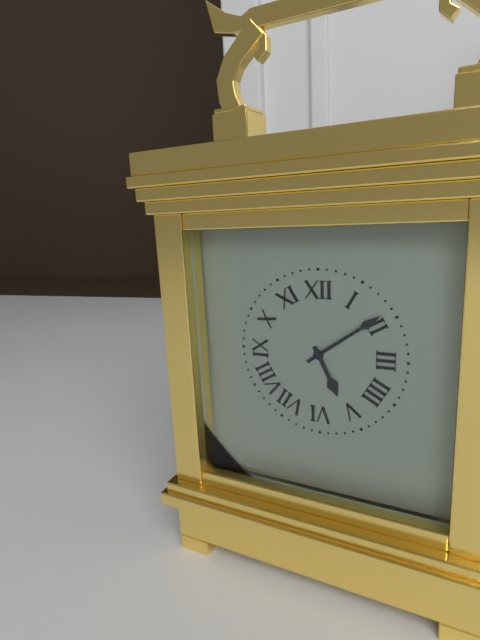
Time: {"hour": 5, "minute": 9}
